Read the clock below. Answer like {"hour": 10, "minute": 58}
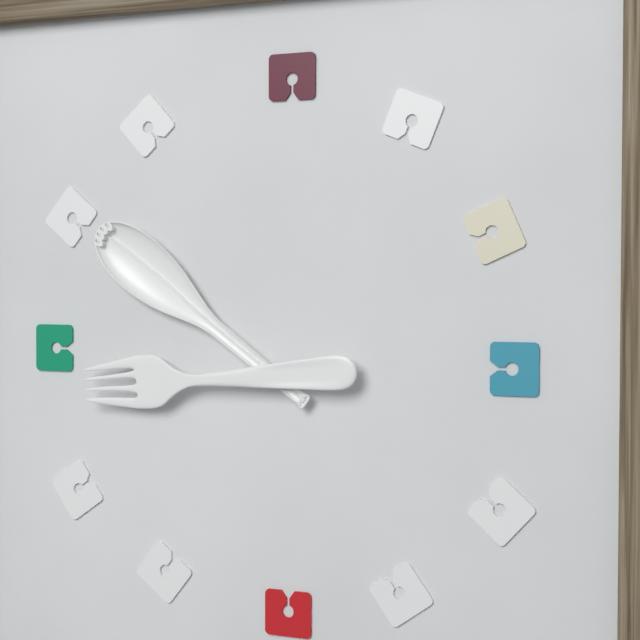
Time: {"hour": 8, "minute": 51}
